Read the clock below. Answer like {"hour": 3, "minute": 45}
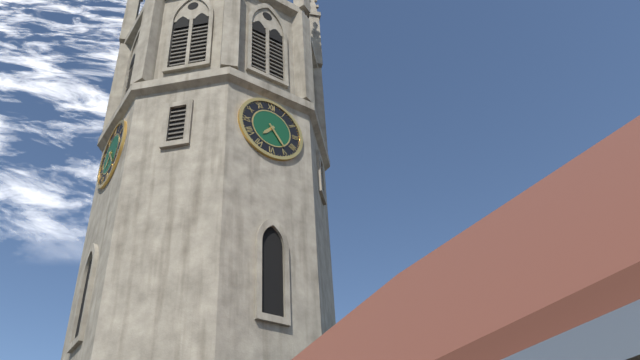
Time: {"hour": 7, "minute": 24}
